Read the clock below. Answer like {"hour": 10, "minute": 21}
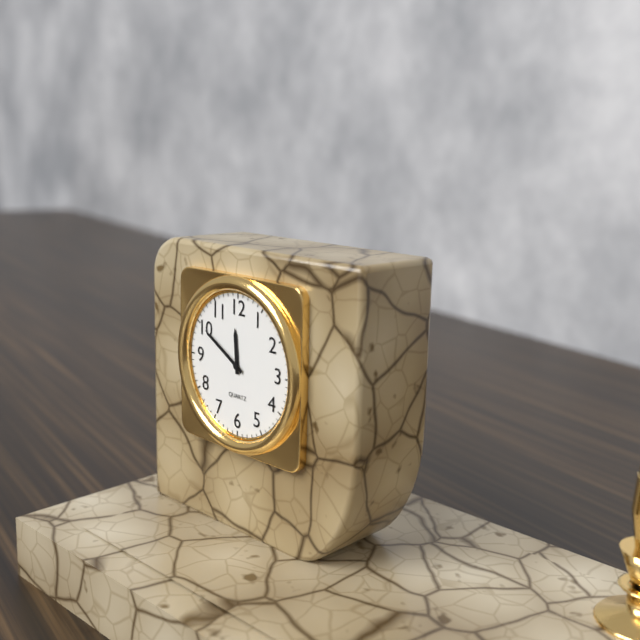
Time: {"hour": 11, "minute": 50}
